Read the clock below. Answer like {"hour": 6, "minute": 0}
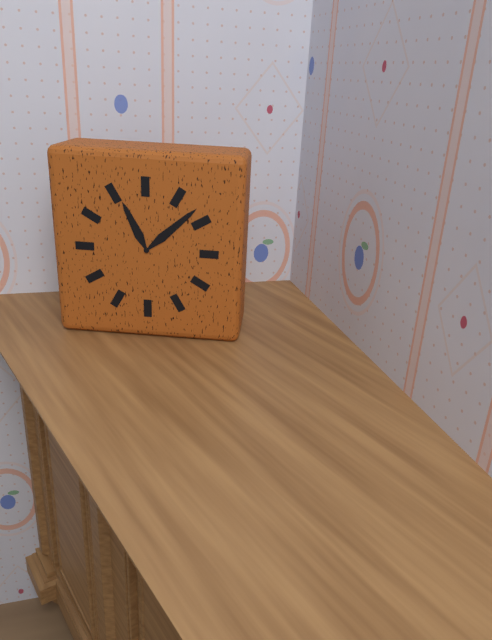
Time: {"hour": 11, "minute": 8}
